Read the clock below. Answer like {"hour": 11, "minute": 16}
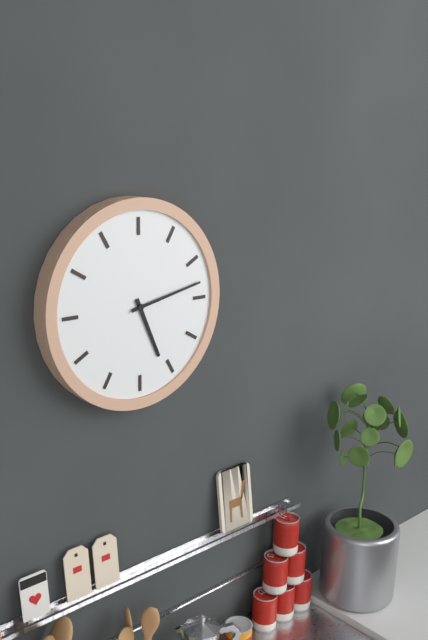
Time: {"hour": 5, "minute": 13}
